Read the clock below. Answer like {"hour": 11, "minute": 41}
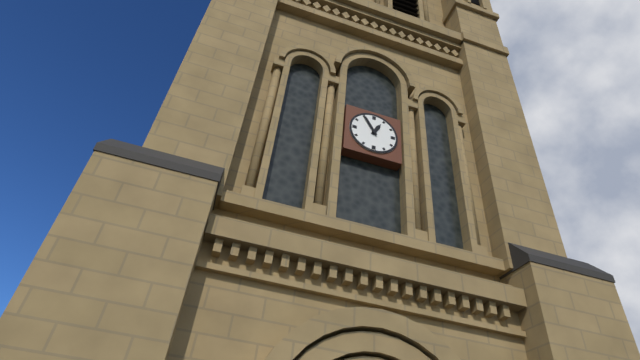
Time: {"hour": 12, "minute": 55}
